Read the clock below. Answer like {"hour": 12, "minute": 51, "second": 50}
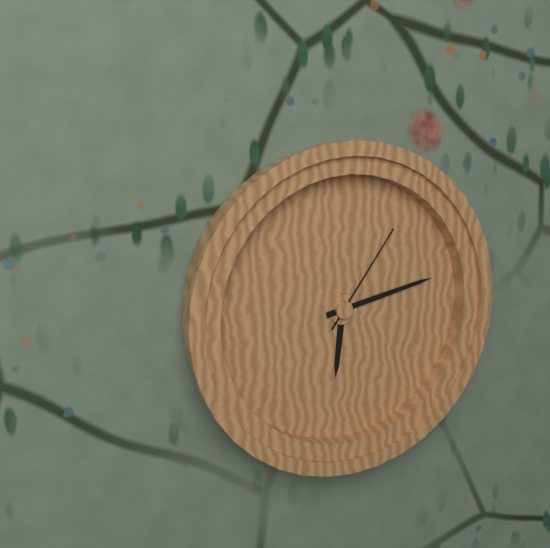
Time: {"hour": 6, "minute": 13, "second": 6}
